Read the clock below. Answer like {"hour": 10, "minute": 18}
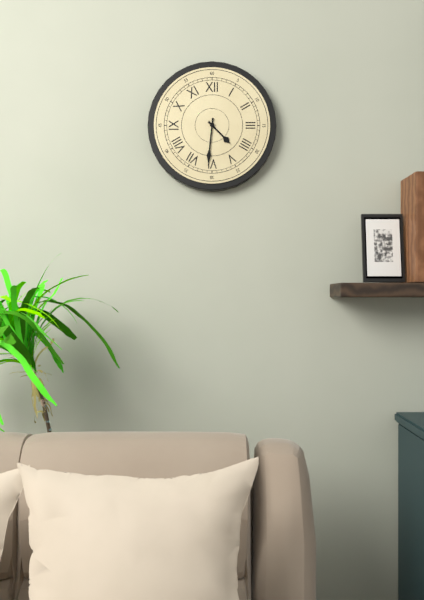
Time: {"hour": 4, "minute": 31}
